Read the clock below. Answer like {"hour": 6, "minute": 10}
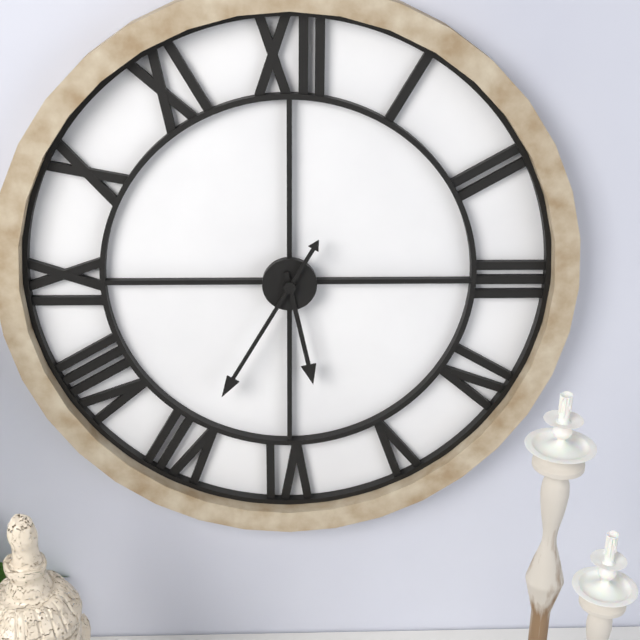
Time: {"hour": 5, "minute": 35}
